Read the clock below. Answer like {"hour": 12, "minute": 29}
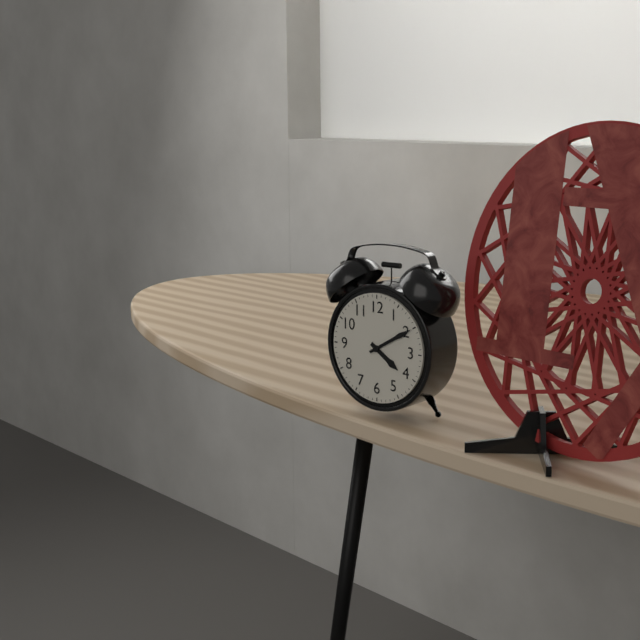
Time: {"hour": 4, "minute": 10}
